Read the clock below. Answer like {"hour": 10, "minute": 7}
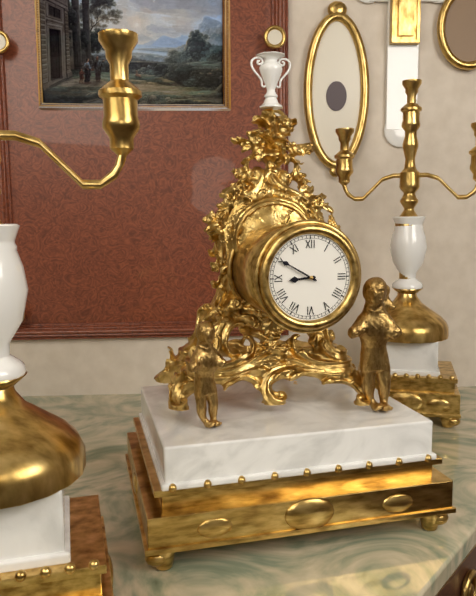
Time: {"hour": 8, "minute": 50}
